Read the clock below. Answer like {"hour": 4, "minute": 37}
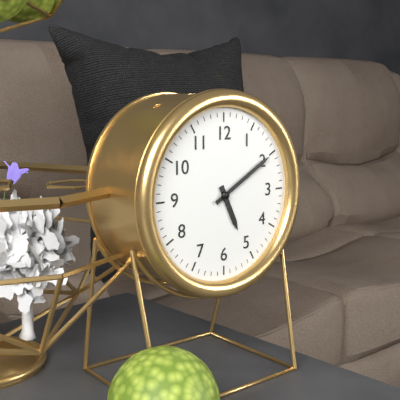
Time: {"hour": 5, "minute": 10}
